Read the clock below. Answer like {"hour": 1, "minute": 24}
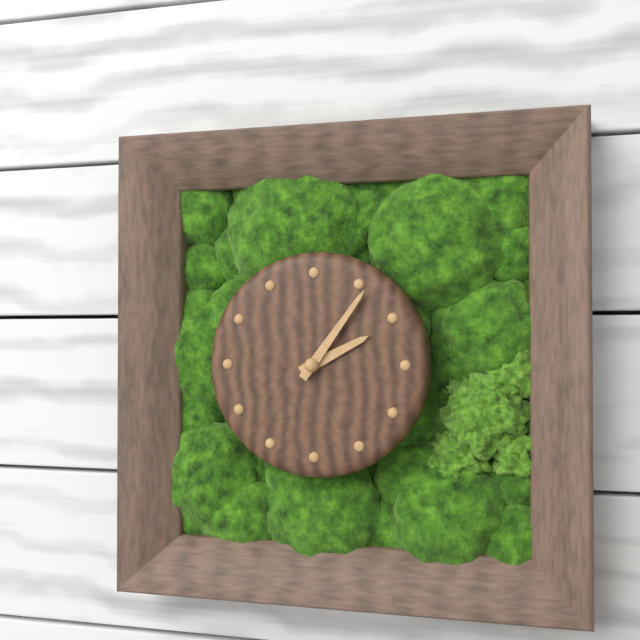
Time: {"hour": 2, "minute": 6}
